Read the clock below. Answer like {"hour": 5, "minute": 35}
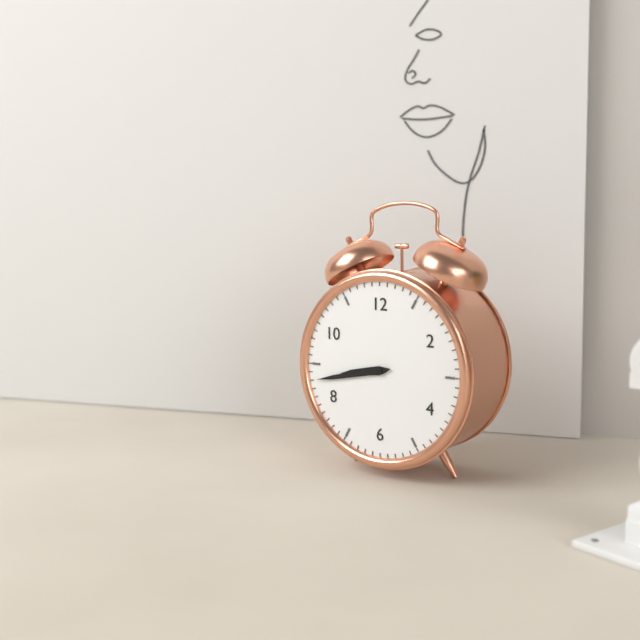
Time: {"hour": 8, "minute": 43}
